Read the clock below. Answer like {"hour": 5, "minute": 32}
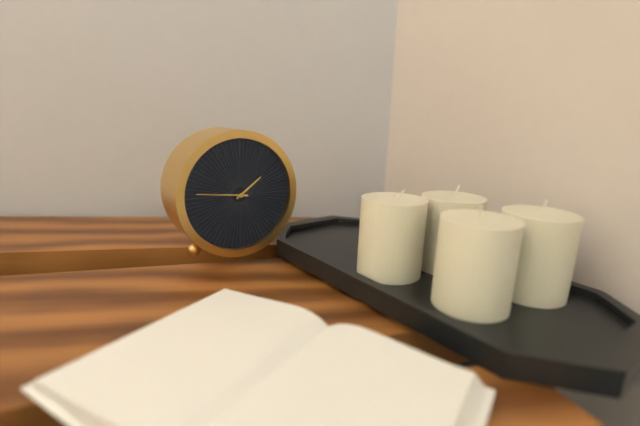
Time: {"hour": 1, "minute": 46}
